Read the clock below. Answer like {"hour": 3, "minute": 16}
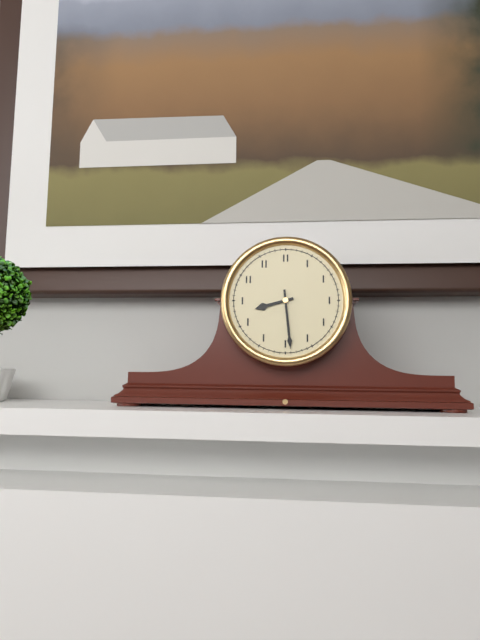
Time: {"hour": 8, "minute": 29}
